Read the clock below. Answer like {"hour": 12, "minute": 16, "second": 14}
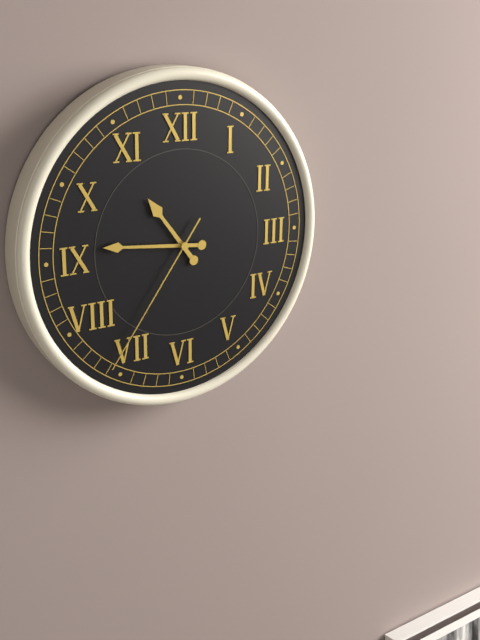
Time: {"hour": 10, "minute": 46, "second": 36}
